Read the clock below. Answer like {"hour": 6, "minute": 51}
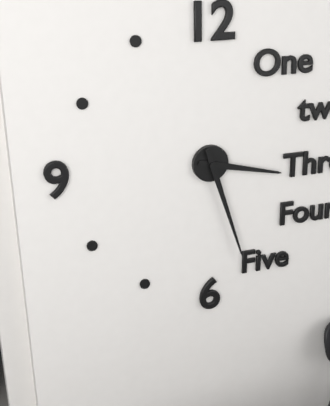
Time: {"hour": 3, "minute": 27}
